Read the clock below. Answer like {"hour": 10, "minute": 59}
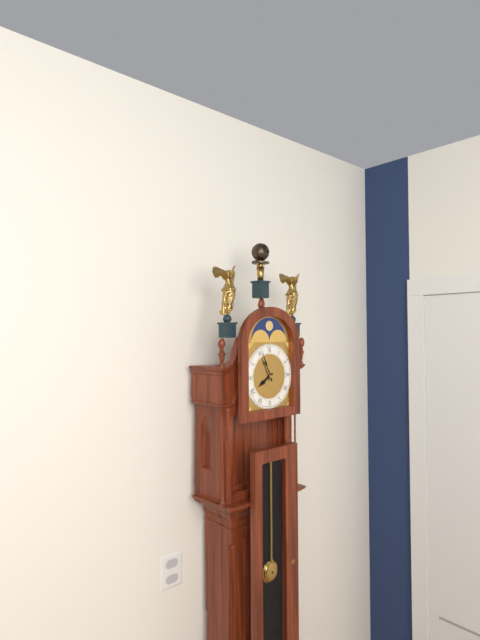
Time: {"hour": 7, "minute": 56}
